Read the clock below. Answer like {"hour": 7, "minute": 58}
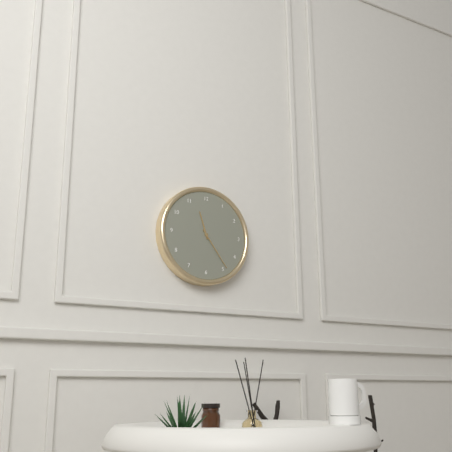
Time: {"hour": 11, "minute": 24}
